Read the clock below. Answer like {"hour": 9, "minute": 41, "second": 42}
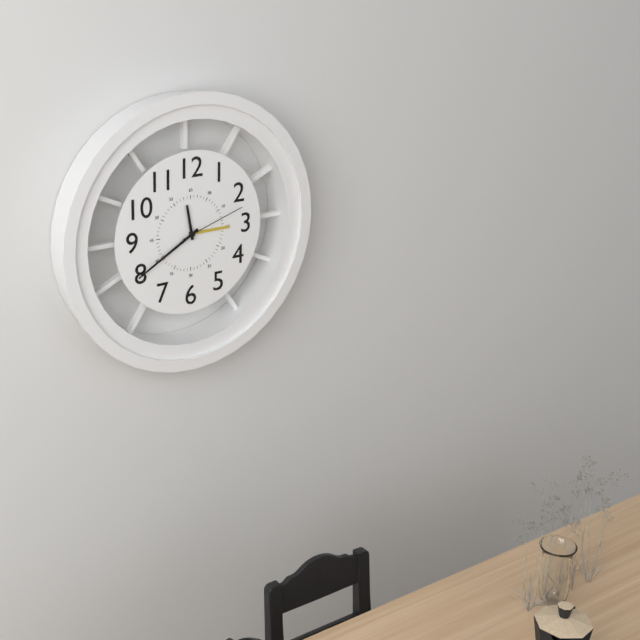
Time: {"hour": 11, "minute": 40, "second": 12}
